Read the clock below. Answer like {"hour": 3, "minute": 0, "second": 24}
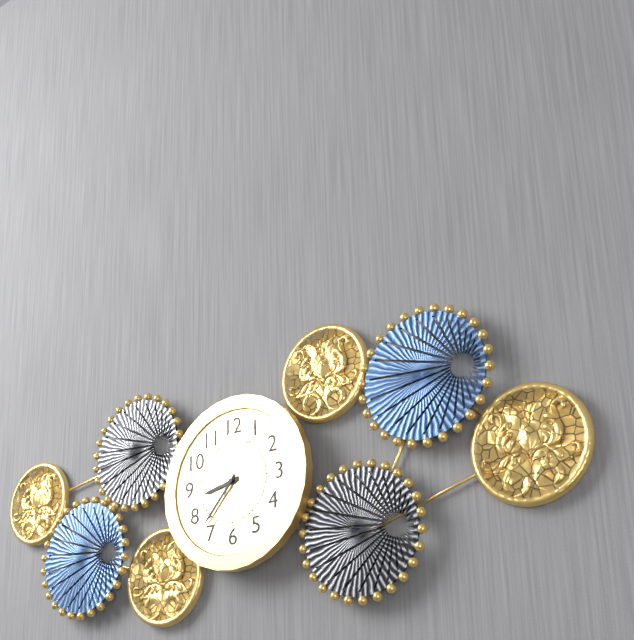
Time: {"hour": 8, "minute": 37, "second": 5}
